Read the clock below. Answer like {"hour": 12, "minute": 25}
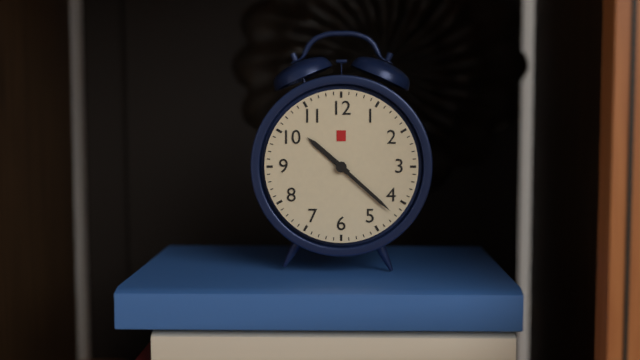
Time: {"hour": 10, "minute": 22}
